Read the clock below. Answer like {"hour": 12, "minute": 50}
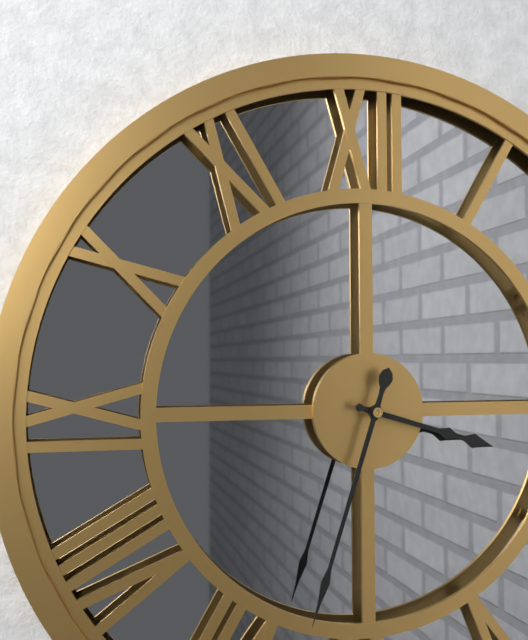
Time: {"hour": 3, "minute": 33}
